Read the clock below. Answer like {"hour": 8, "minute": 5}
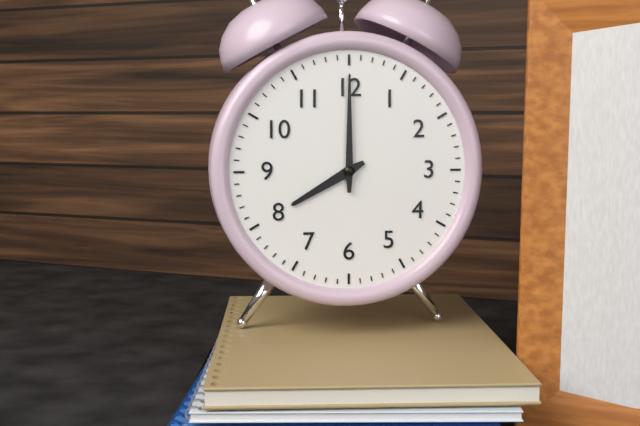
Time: {"hour": 8, "minute": 0}
